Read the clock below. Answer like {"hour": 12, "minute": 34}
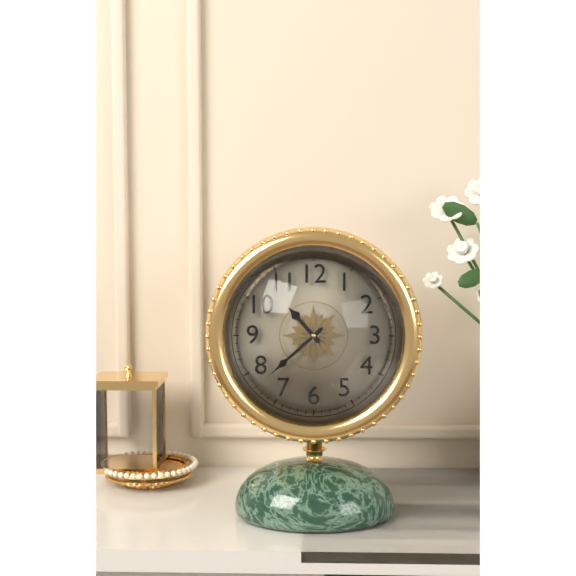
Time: {"hour": 10, "minute": 38}
